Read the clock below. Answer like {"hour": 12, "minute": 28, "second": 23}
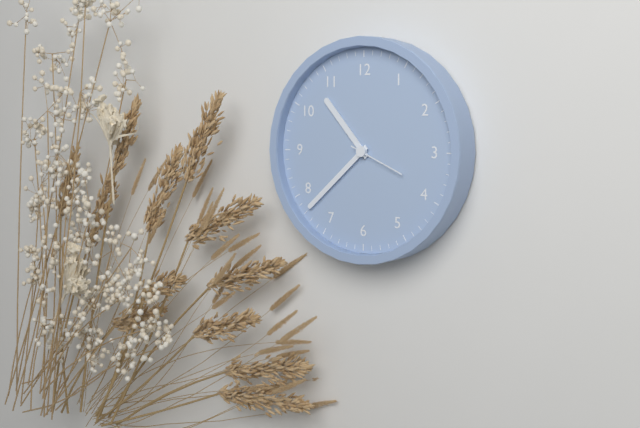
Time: {"hour": 10, "minute": 38, "second": 19}
